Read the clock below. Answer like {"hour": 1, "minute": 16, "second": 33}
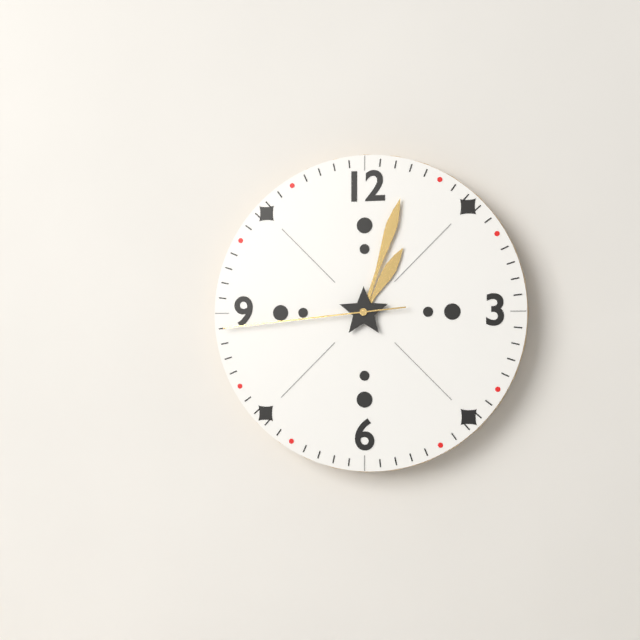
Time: {"hour": 1, "minute": 3, "second": 44}
